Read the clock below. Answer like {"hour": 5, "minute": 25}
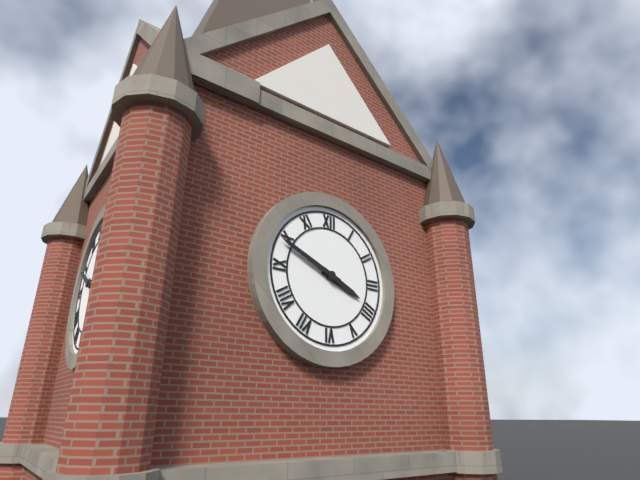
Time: {"hour": 3, "minute": 49}
